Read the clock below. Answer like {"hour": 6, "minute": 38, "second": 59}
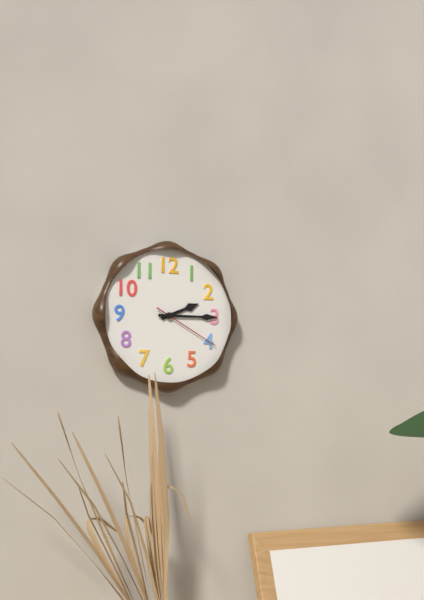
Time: {"hour": 2, "minute": 15, "second": 20}
